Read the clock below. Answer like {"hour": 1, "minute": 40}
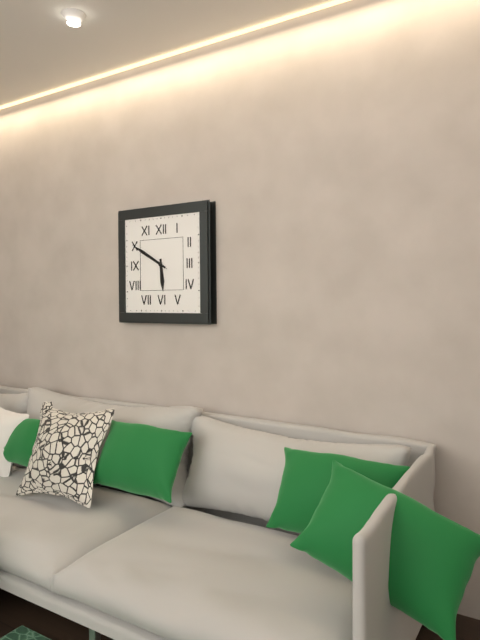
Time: {"hour": 5, "minute": 50}
